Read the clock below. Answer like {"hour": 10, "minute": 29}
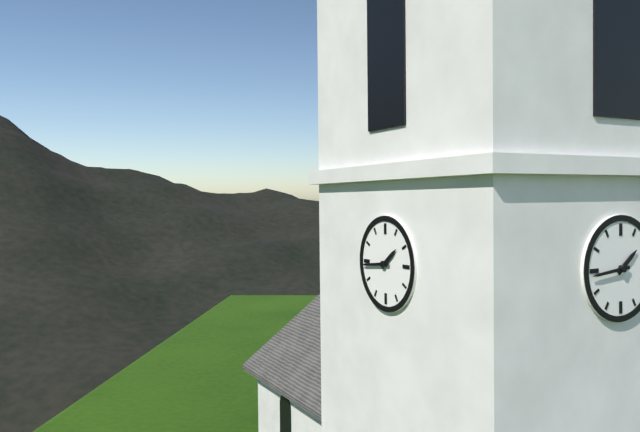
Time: {"hour": 1, "minute": 44}
